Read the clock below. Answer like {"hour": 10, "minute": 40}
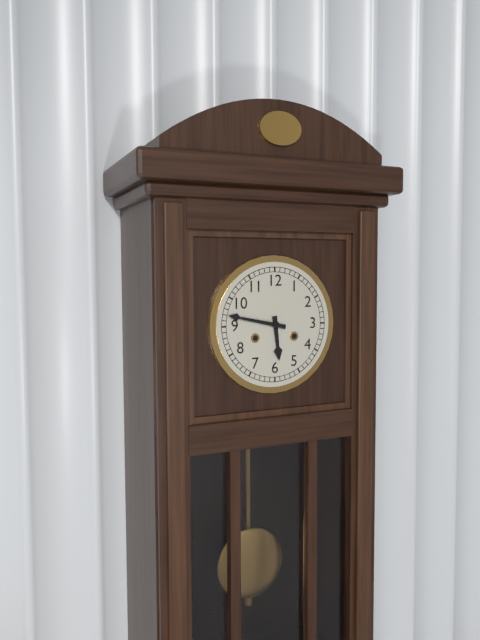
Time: {"hour": 5, "minute": 47}
